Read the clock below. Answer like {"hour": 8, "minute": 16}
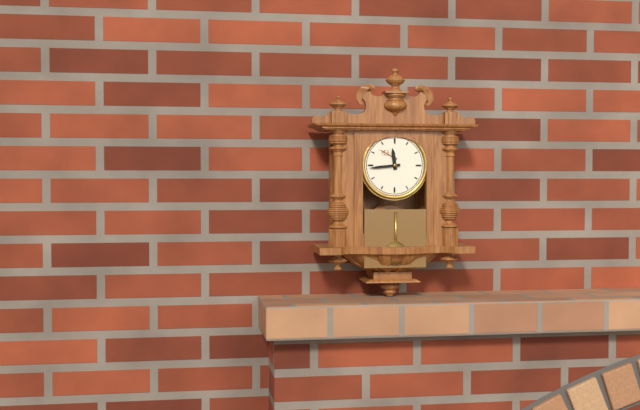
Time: {"hour": 11, "minute": 44}
